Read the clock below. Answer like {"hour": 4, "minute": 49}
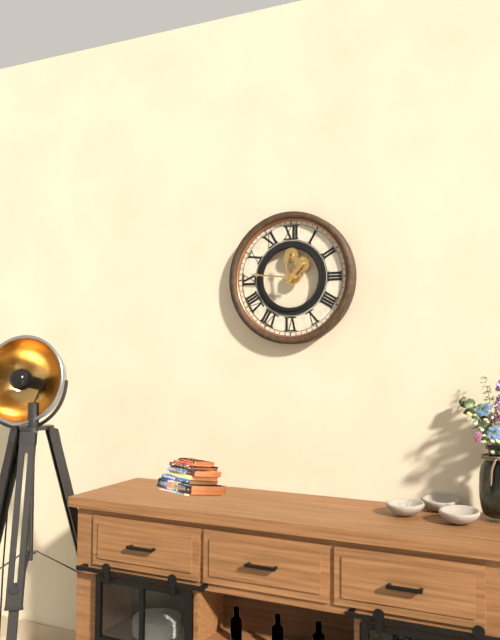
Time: {"hour": 11, "minute": 46}
